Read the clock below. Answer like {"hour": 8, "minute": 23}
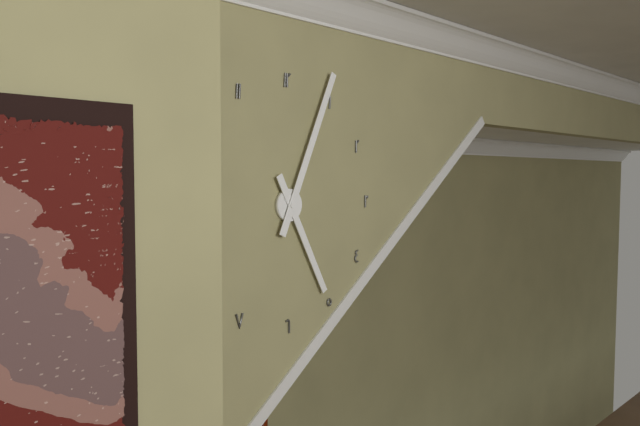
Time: {"hour": 5, "minute": 4}
